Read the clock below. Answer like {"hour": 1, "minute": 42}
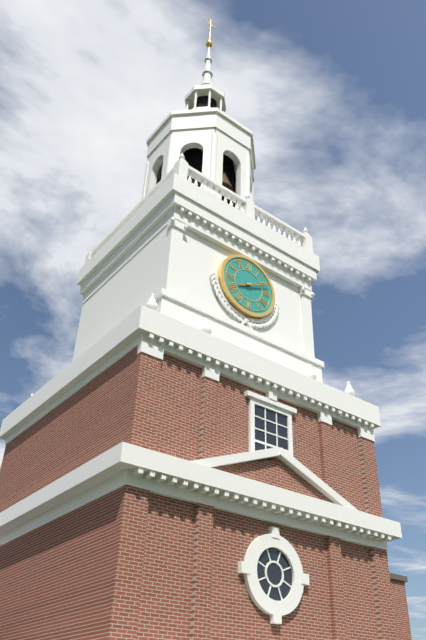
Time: {"hour": 8, "minute": 11}
